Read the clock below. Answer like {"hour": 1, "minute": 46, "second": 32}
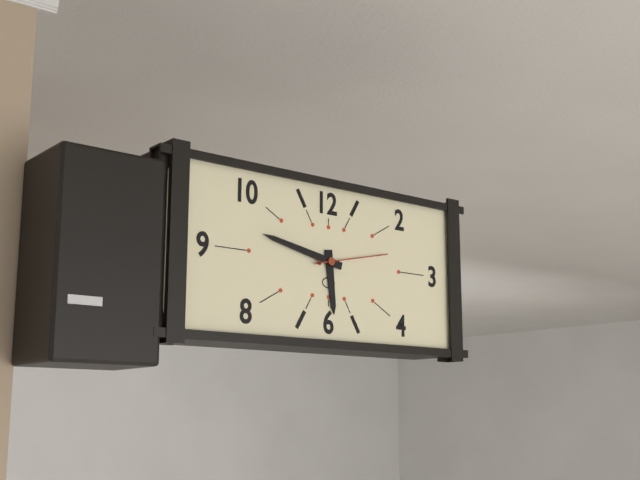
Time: {"hour": 5, "minute": 47, "second": 13}
